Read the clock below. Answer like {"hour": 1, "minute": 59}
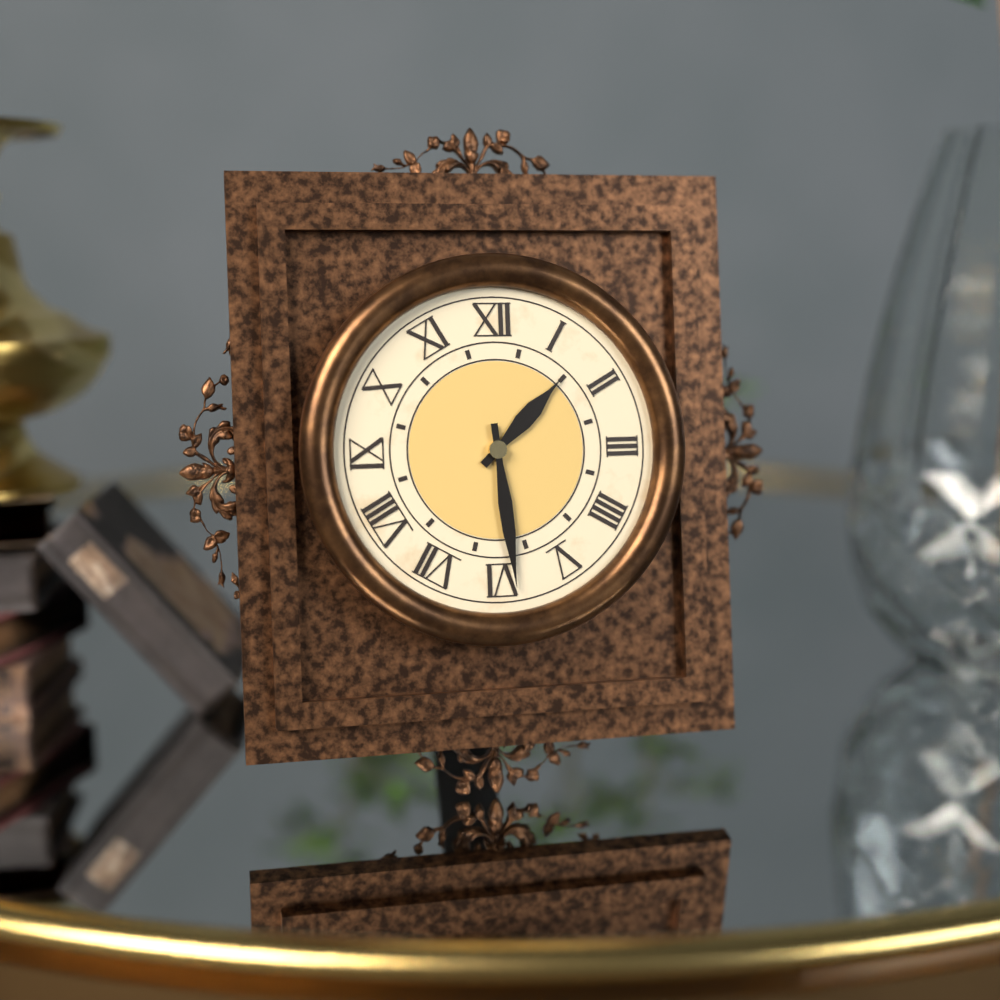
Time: {"hour": 1, "minute": 29}
